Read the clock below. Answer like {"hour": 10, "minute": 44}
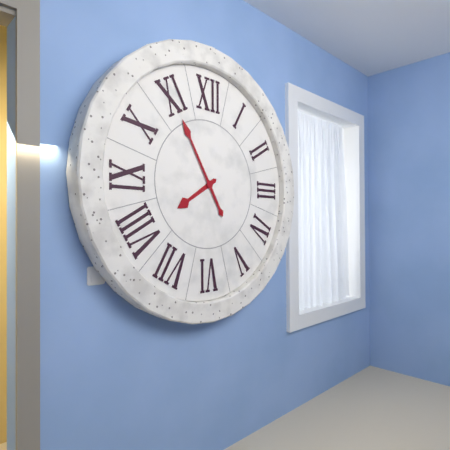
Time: {"hour": 7, "minute": 55}
